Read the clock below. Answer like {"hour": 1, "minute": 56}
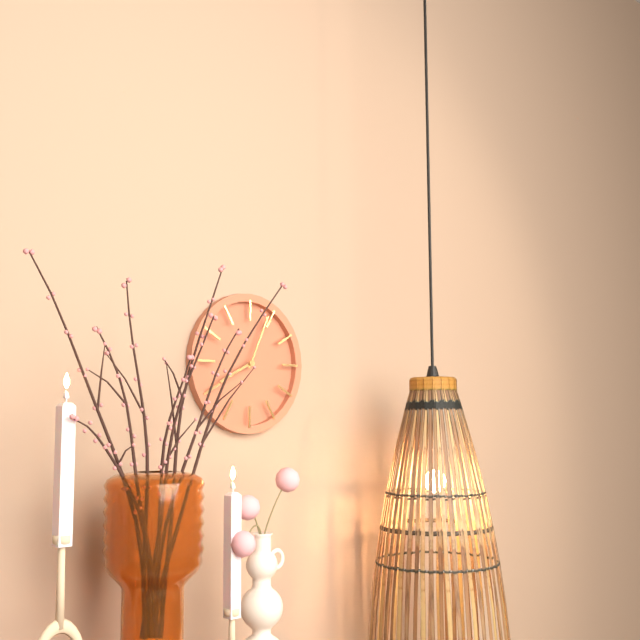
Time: {"hour": 8, "minute": 4}
